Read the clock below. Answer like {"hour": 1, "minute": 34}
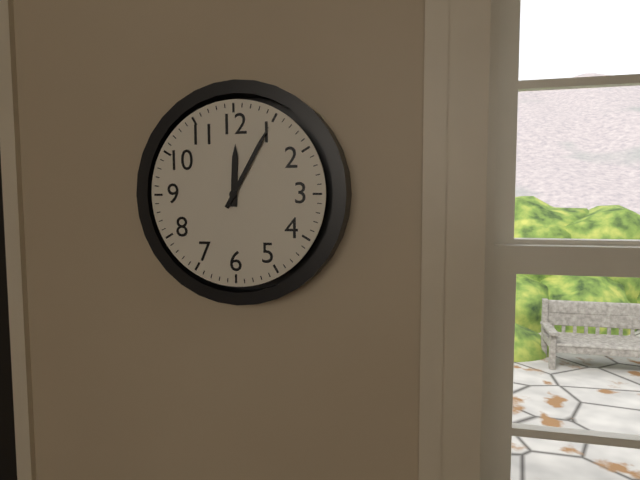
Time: {"hour": 12, "minute": 5}
